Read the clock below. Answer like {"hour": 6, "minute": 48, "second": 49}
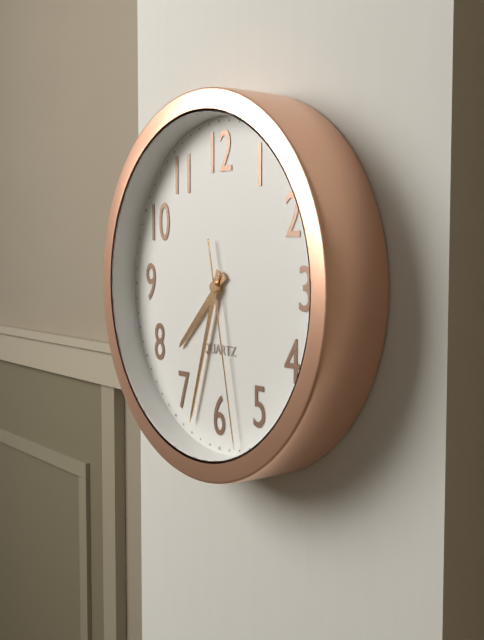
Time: {"hour": 7, "minute": 33, "second": 28}
